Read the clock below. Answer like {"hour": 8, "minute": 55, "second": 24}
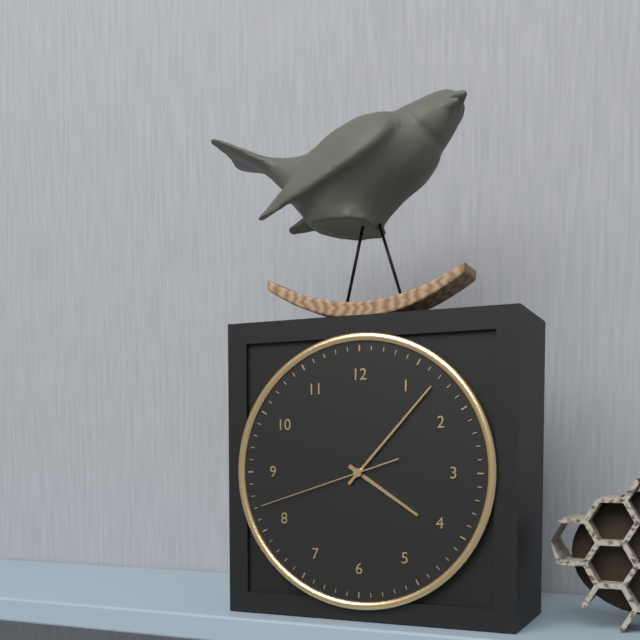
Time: {"hour": 4, "minute": 7, "second": 42}
